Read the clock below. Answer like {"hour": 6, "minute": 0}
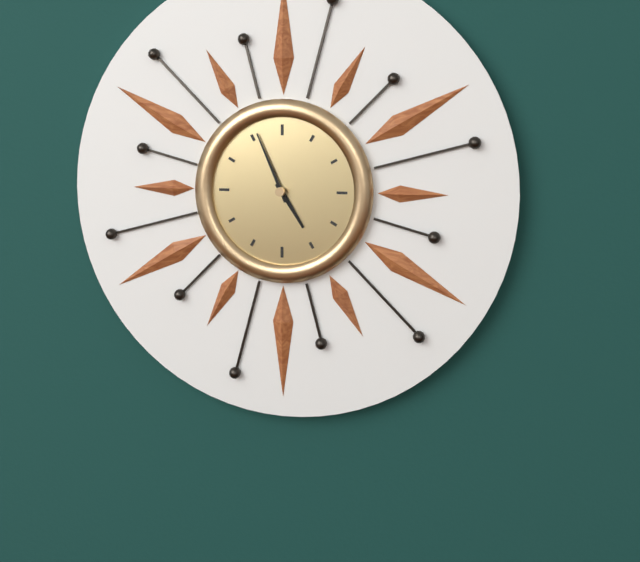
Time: {"hour": 4, "minute": 56}
